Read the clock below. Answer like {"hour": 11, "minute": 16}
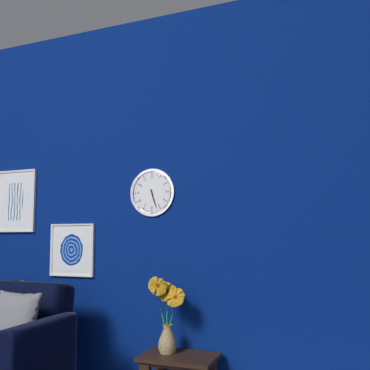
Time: {"hour": 5, "minute": 27}
